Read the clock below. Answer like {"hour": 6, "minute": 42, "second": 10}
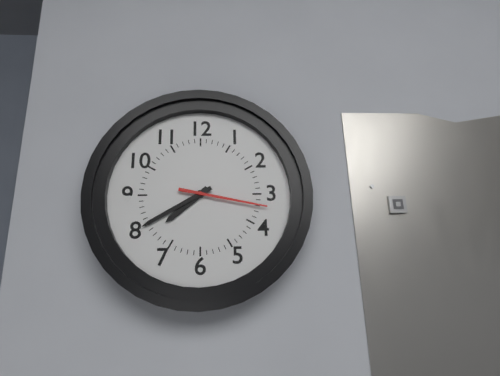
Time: {"hour": 7, "minute": 40, "second": 17}
